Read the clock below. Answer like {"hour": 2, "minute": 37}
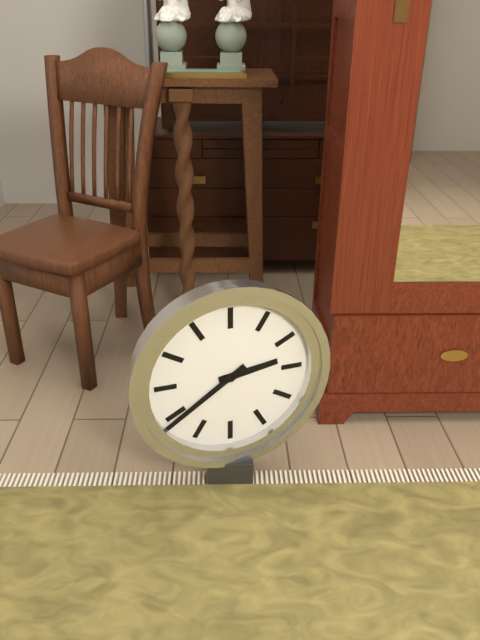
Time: {"hour": 2, "minute": 39}
